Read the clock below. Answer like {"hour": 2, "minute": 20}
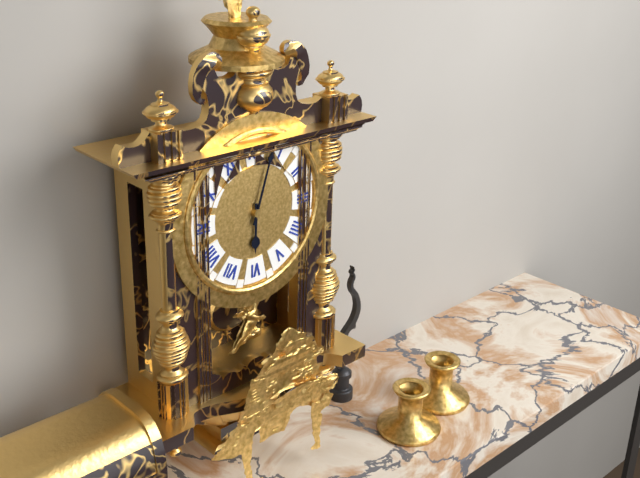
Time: {"hour": 6, "minute": 3}
